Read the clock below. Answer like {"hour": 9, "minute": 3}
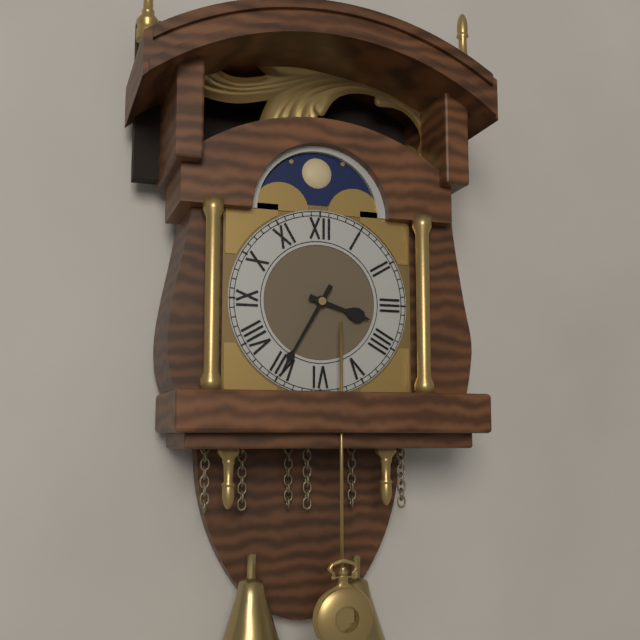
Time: {"hour": 3, "minute": 35}
